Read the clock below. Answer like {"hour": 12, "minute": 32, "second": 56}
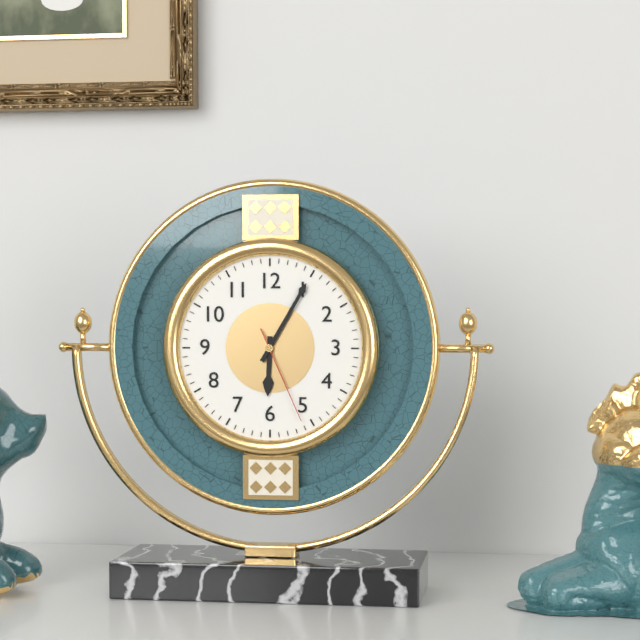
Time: {"hour": 6, "minute": 5, "second": 26}
